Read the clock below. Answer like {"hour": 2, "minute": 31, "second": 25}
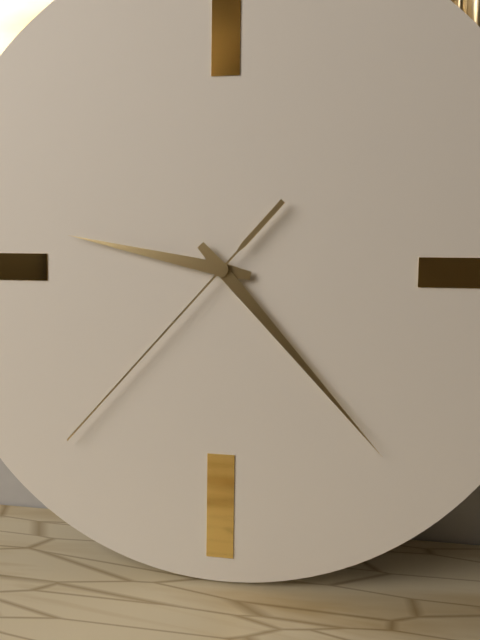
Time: {"hour": 9, "minute": 23, "second": 37}
